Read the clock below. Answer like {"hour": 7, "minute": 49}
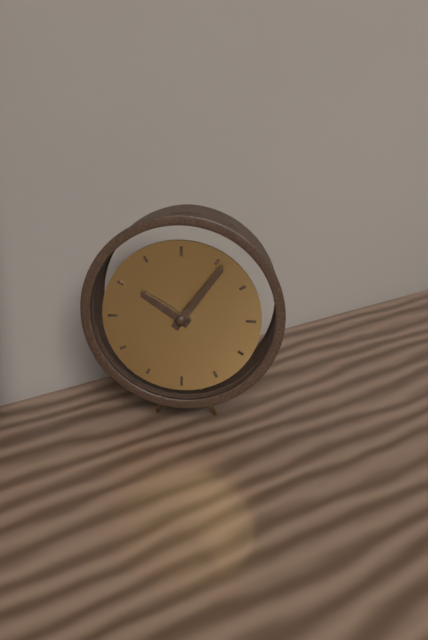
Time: {"hour": 10, "minute": 6}
